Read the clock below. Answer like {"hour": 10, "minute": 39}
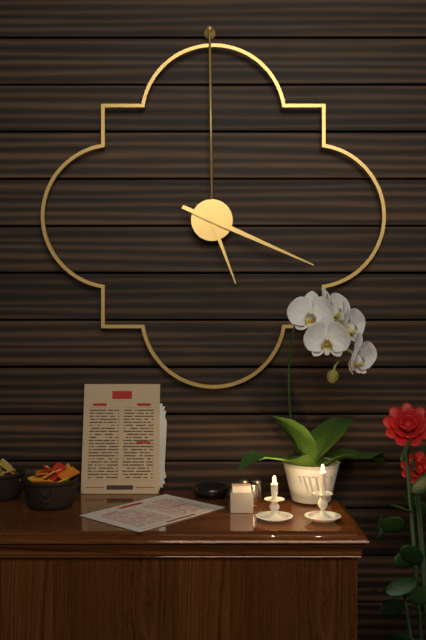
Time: {"hour": 5, "minute": 19}
